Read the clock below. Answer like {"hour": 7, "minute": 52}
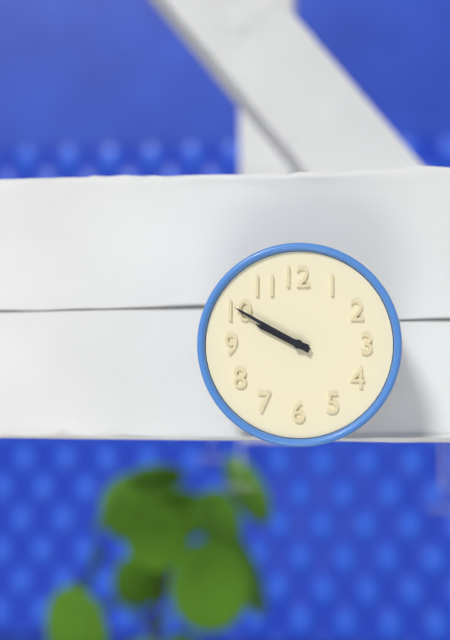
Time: {"hour": 9, "minute": 50}
